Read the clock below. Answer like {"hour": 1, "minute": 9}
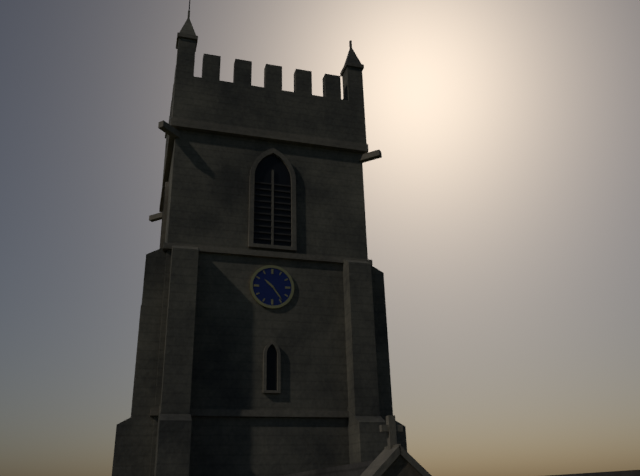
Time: {"hour": 10, "minute": 24}
